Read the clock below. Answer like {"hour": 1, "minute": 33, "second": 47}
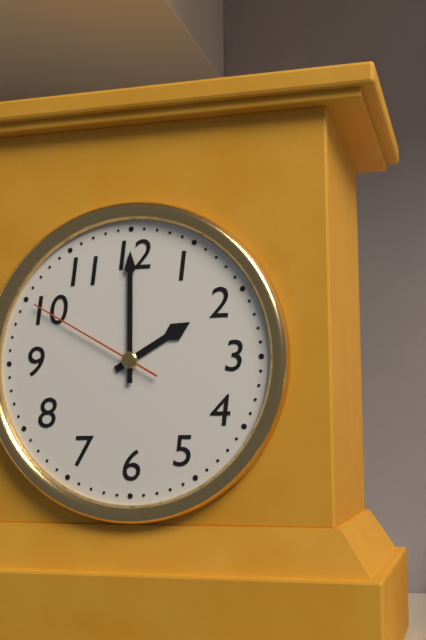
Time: {"hour": 2, "minute": 0, "second": 50}
